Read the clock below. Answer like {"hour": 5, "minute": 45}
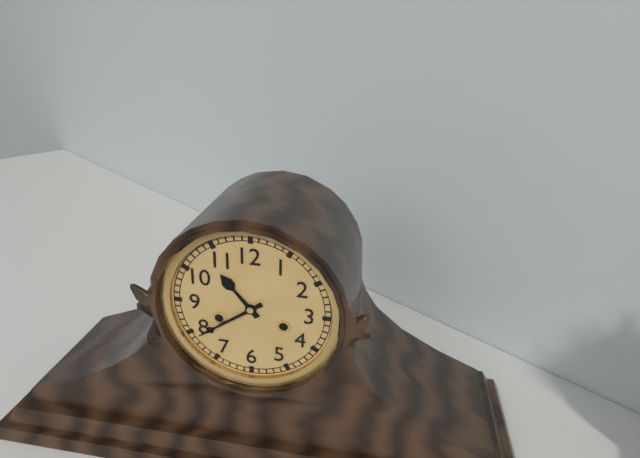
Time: {"hour": 10, "minute": 39}
